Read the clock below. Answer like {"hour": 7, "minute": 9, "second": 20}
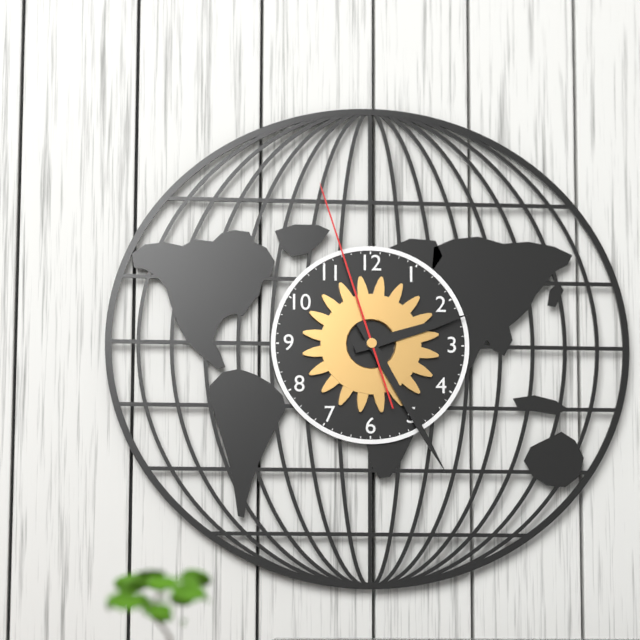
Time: {"hour": 2, "minute": 25, "second": 57}
